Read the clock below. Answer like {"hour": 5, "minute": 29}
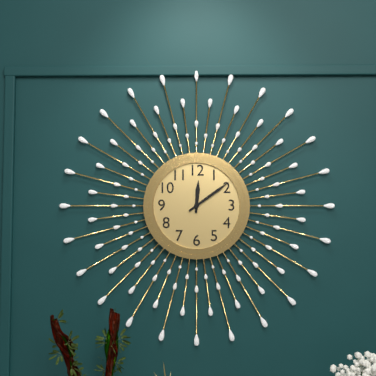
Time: {"hour": 12, "minute": 9}
